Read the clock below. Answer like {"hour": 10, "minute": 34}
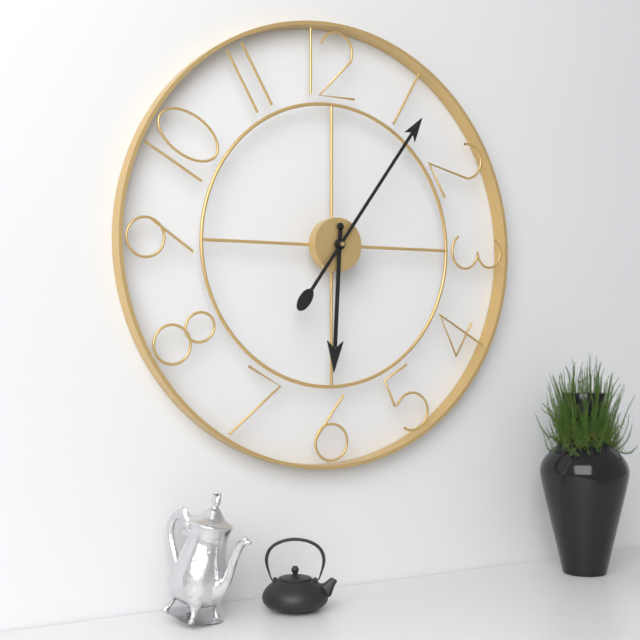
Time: {"hour": 6, "minute": 6}
